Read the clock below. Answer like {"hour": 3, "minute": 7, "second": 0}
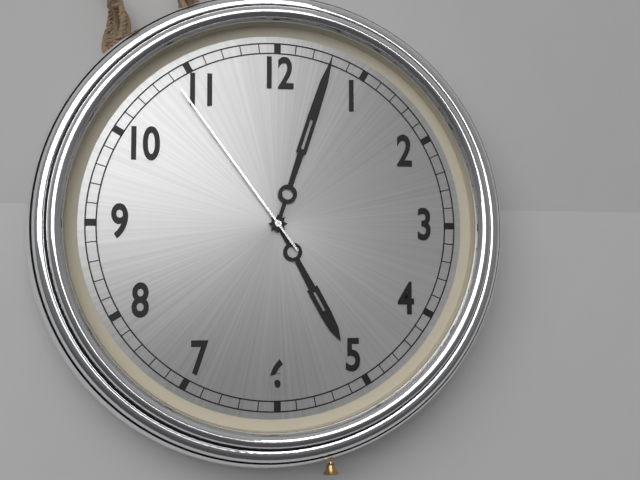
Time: {"hour": 5, "minute": 3, "second": 54}
